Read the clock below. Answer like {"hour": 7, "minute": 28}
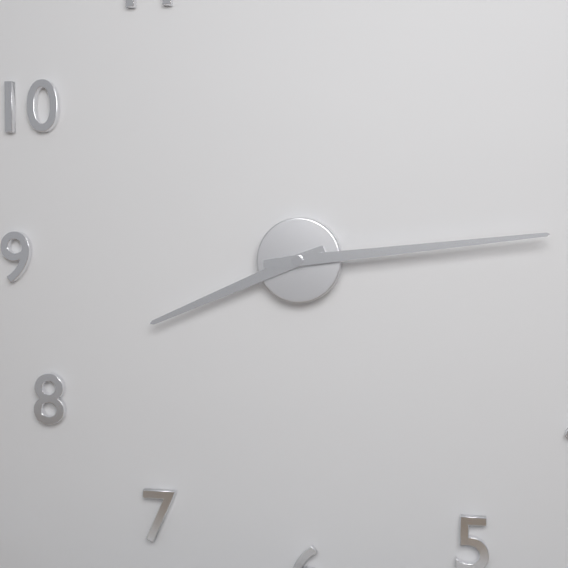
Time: {"hour": 8, "minute": 14}
